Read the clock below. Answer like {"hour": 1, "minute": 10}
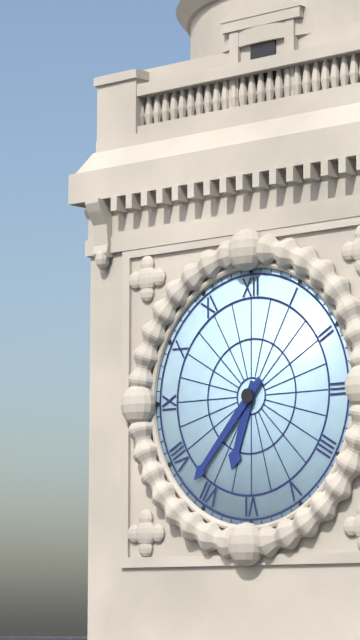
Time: {"hour": 6, "minute": 37}
